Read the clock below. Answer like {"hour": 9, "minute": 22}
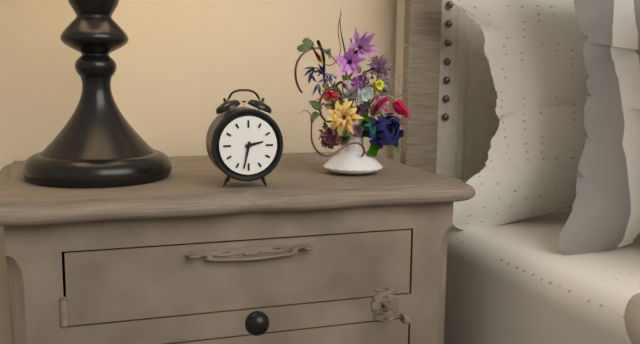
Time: {"hour": 2, "minute": 32}
